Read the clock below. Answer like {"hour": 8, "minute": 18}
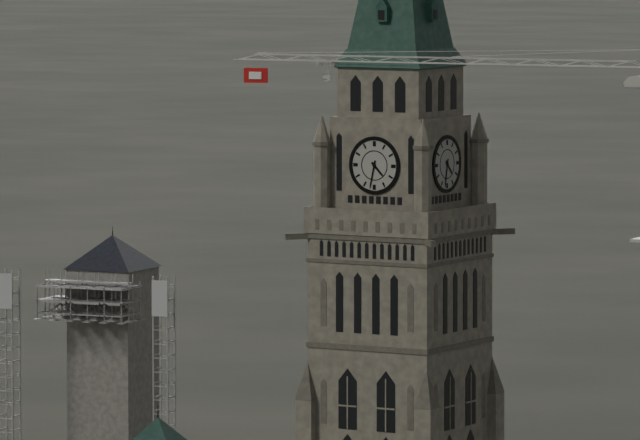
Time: {"hour": 4, "minute": 32}
